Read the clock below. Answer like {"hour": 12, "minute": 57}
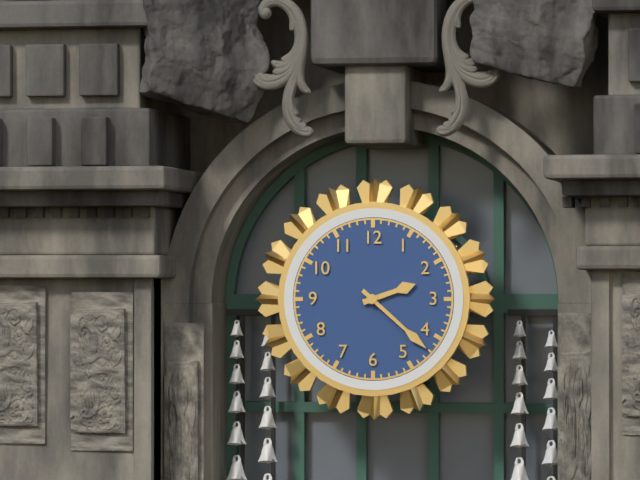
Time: {"hour": 2, "minute": 22}
